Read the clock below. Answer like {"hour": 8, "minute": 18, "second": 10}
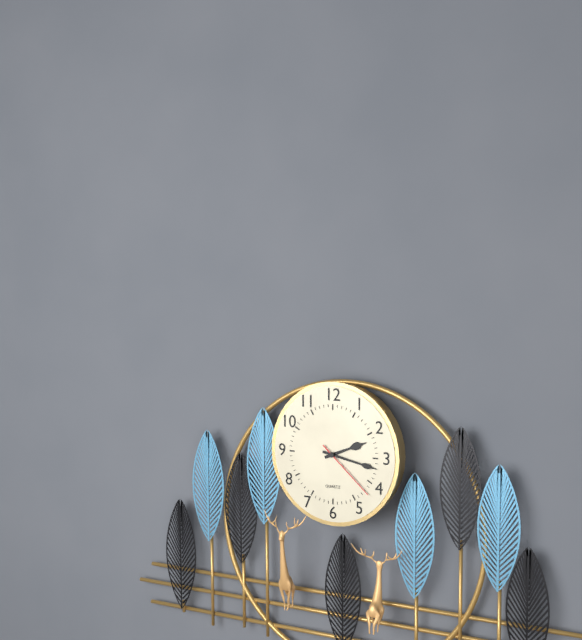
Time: {"hour": 2, "minute": 17, "second": 22}
